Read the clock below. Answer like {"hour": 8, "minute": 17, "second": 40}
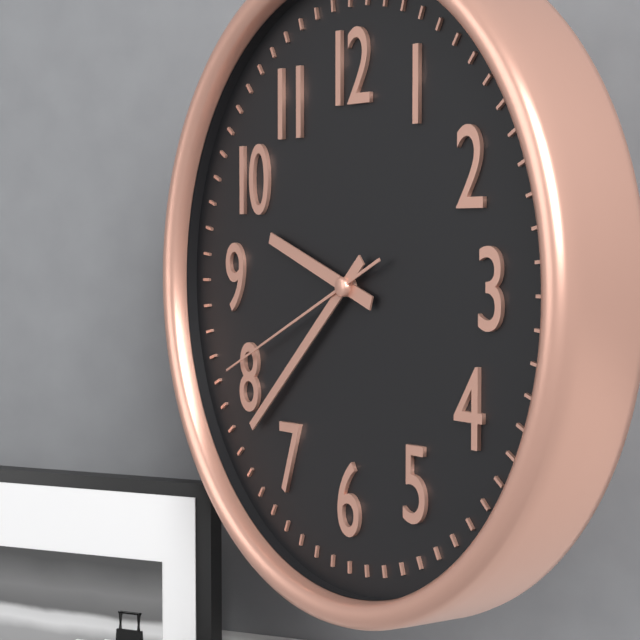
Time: {"hour": 9, "minute": 38, "second": 41}
